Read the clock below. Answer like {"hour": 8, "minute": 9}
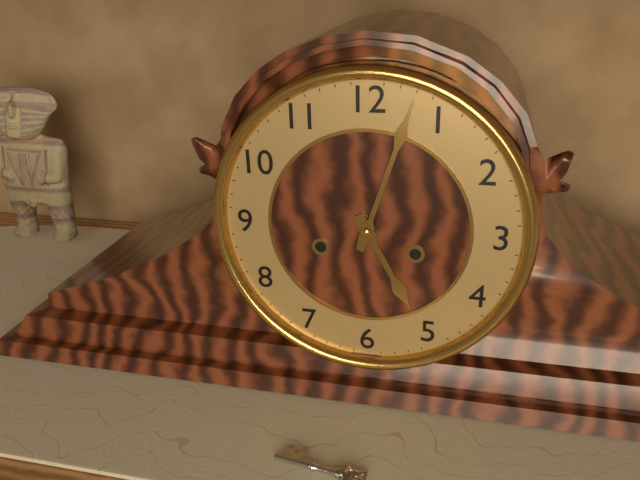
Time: {"hour": 5, "minute": 3}
